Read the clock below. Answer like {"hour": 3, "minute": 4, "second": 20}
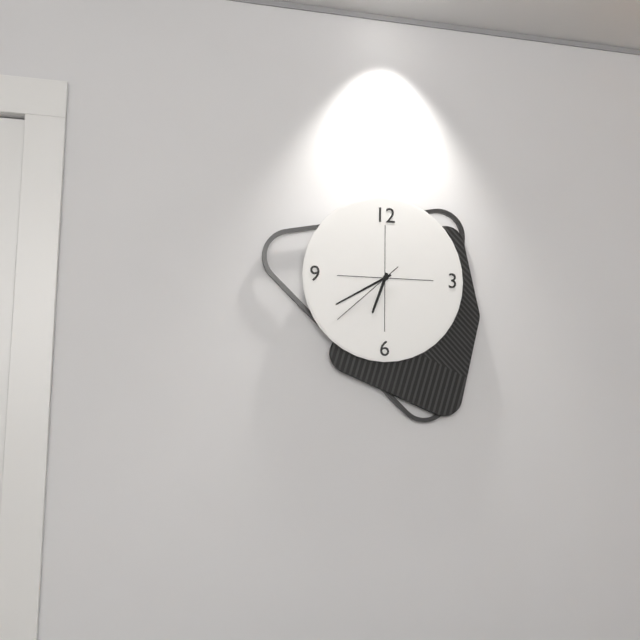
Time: {"hour": 6, "minute": 40, "second": 38}
